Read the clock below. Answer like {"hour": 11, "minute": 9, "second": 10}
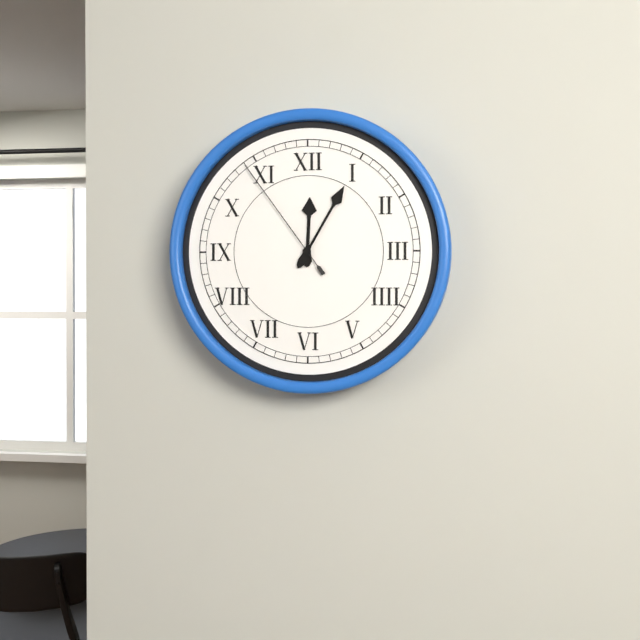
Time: {"hour": 12, "minute": 5, "second": 54}
